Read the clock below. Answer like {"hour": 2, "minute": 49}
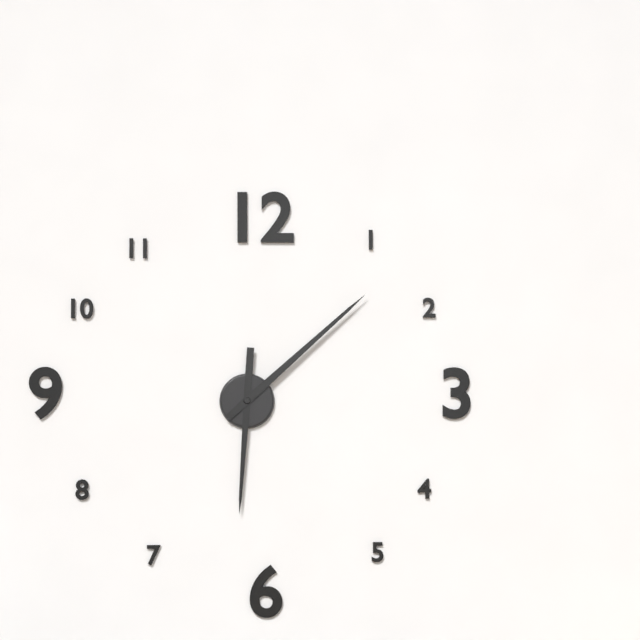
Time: {"hour": 6, "minute": 8}
